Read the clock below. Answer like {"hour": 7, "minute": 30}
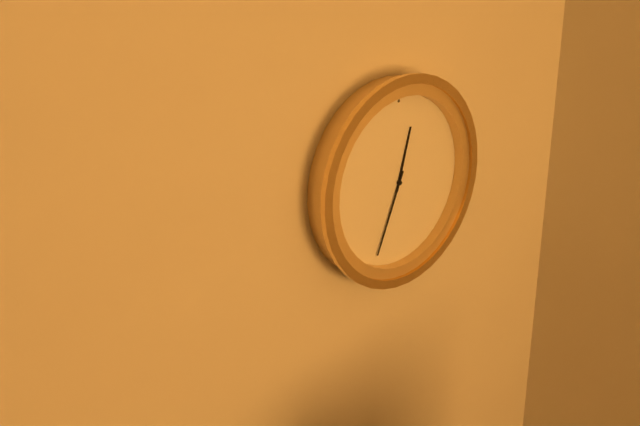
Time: {"hour": 12, "minute": 34}
